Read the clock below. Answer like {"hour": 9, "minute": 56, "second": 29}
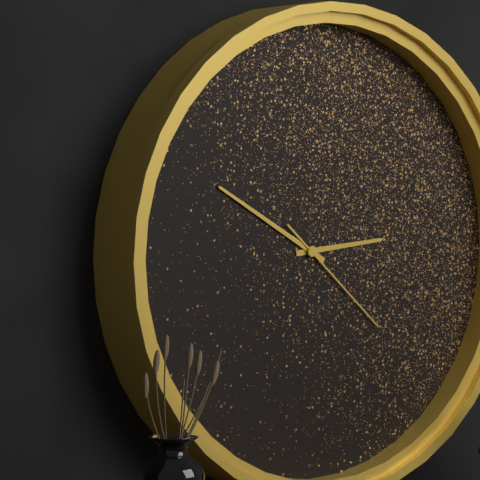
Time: {"hour": 2, "minute": 50, "second": 22}
